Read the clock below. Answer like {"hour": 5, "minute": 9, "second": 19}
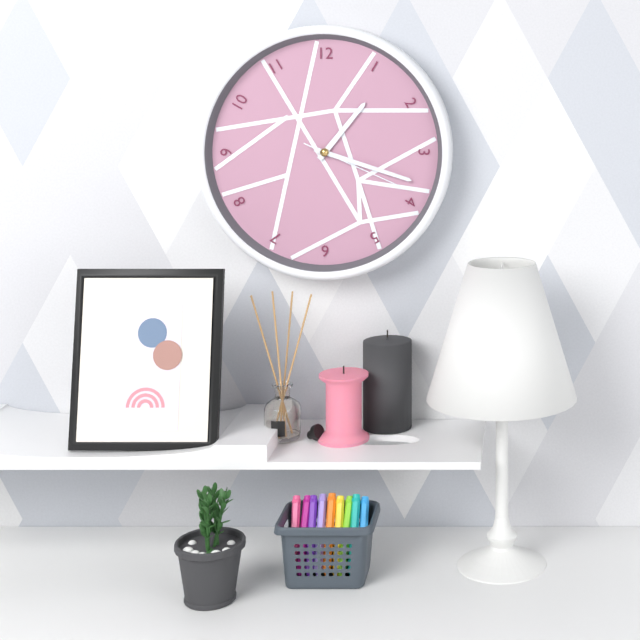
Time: {"hour": 1, "minute": 18, "second": 19}
